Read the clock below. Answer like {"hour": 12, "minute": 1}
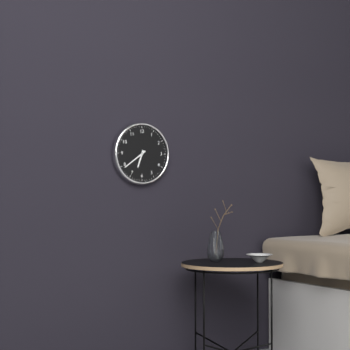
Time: {"hour": 6, "minute": 39}
